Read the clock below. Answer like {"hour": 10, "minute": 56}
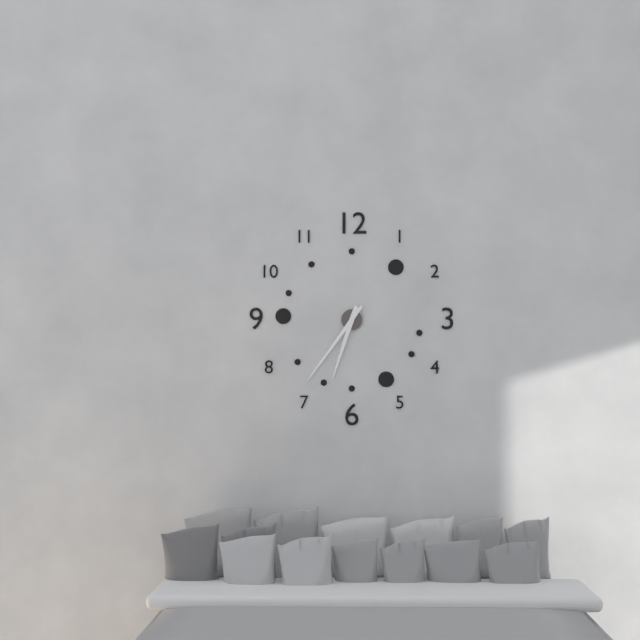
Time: {"hour": 6, "minute": 36}
